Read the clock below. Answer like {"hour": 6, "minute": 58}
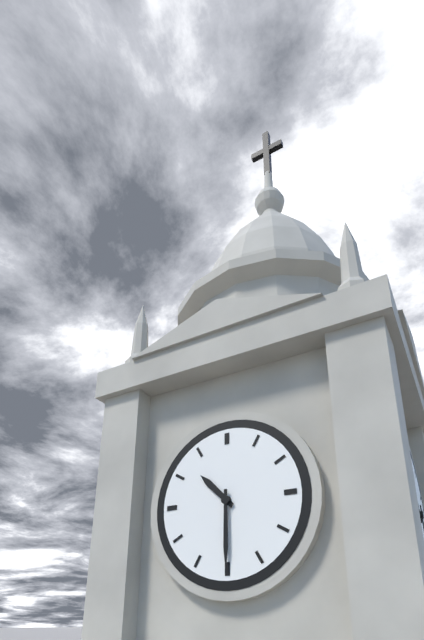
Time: {"hour": 10, "minute": 30}
